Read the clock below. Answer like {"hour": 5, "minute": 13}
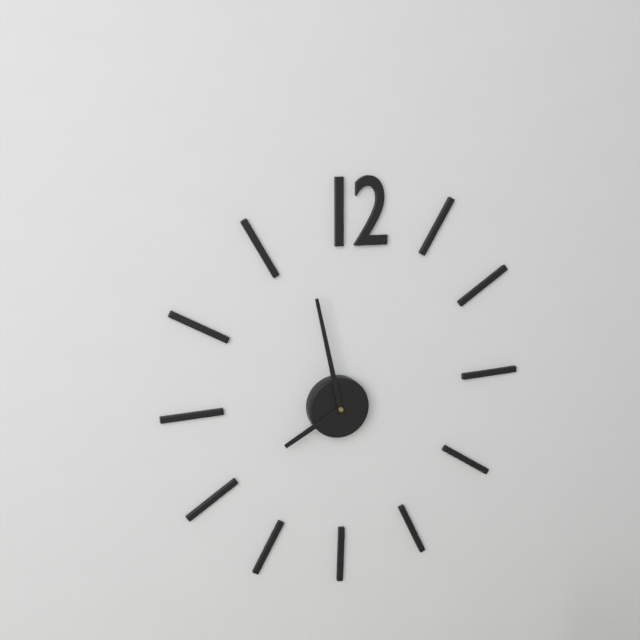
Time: {"hour": 7, "minute": 58}
